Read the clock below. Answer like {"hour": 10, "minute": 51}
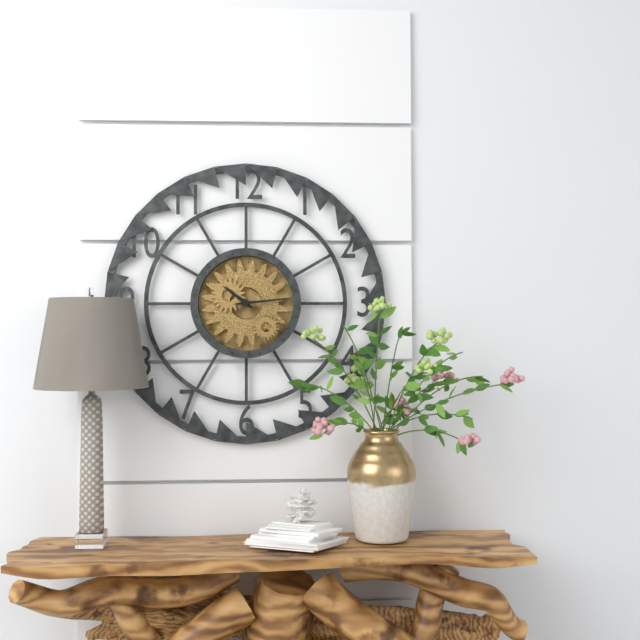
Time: {"hour": 10, "minute": 14}
